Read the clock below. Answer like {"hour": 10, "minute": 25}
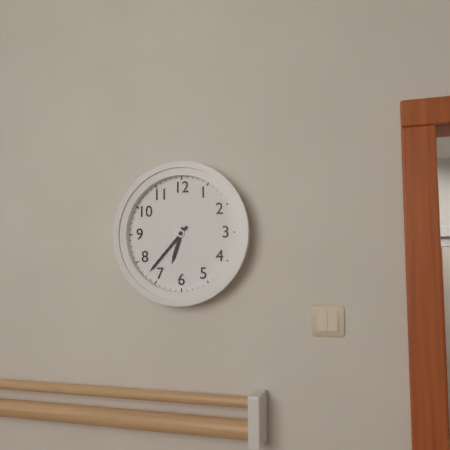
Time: {"hour": 6, "minute": 37}
